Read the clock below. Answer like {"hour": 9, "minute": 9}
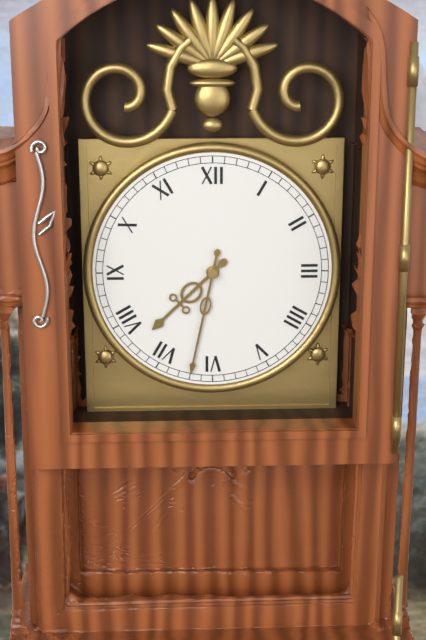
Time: {"hour": 7, "minute": 32}
